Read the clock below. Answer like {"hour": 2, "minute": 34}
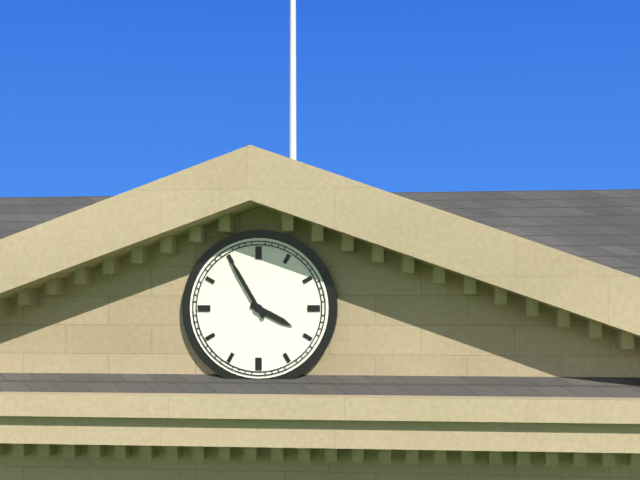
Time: {"hour": 3, "minute": 55}
